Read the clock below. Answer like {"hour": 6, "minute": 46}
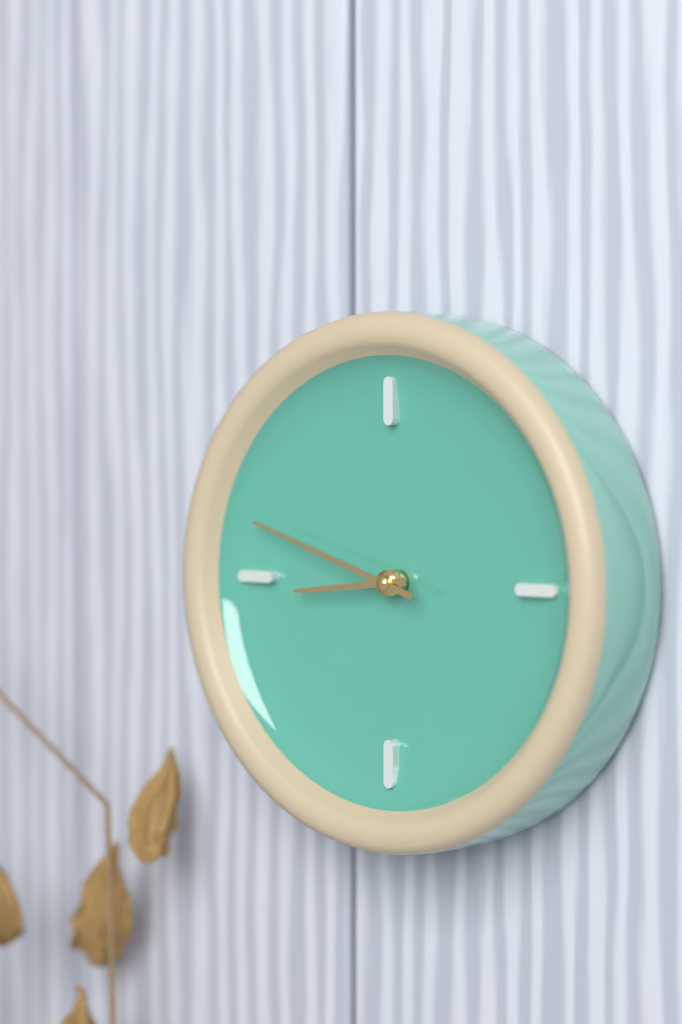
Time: {"hour": 8, "minute": 48}
